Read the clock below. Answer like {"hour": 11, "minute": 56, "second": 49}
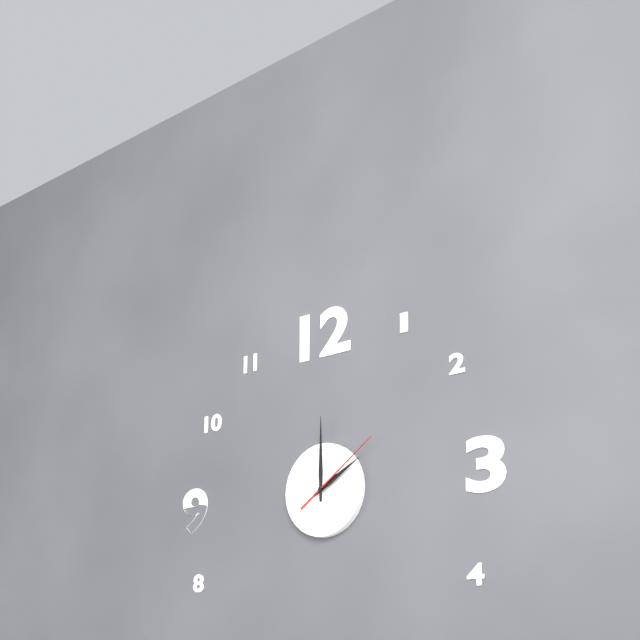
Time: {"hour": 2, "minute": 0, "second": 9}
